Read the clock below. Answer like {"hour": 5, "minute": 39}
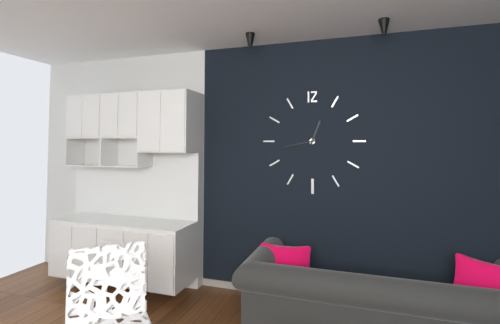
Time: {"hour": 12, "minute": 43}
